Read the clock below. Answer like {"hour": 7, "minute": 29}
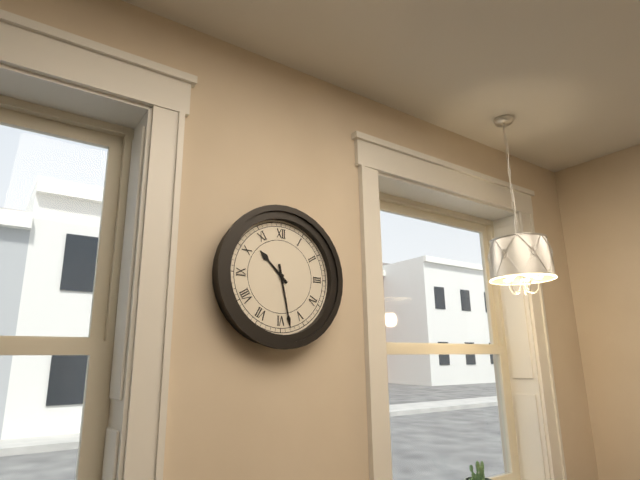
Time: {"hour": 10, "minute": 28}
